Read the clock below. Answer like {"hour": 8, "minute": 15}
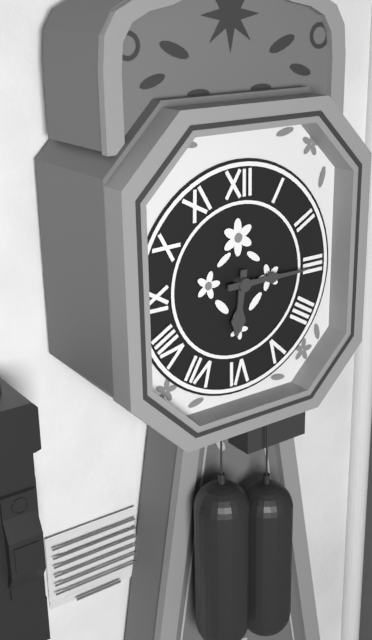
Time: {"hour": 6, "minute": 15}
